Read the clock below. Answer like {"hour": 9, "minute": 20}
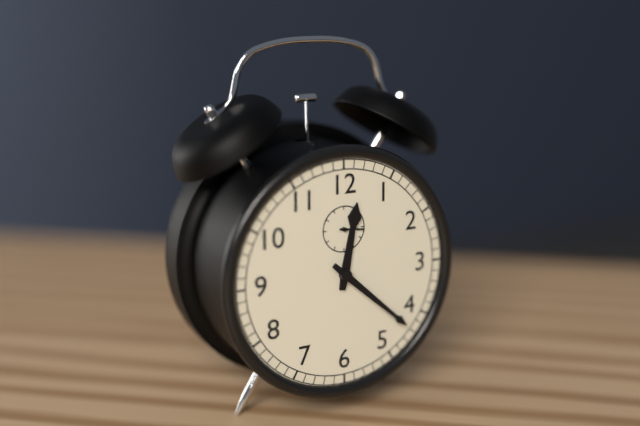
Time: {"hour": 12, "minute": 22}
